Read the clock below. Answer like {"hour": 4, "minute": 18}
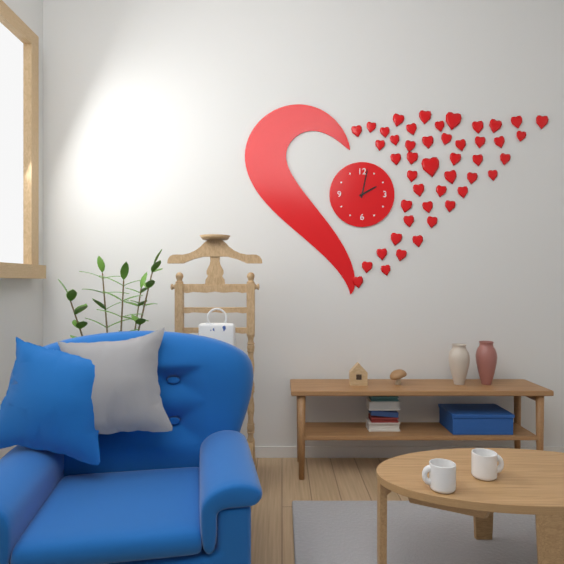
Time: {"hour": 2, "minute": 2}
